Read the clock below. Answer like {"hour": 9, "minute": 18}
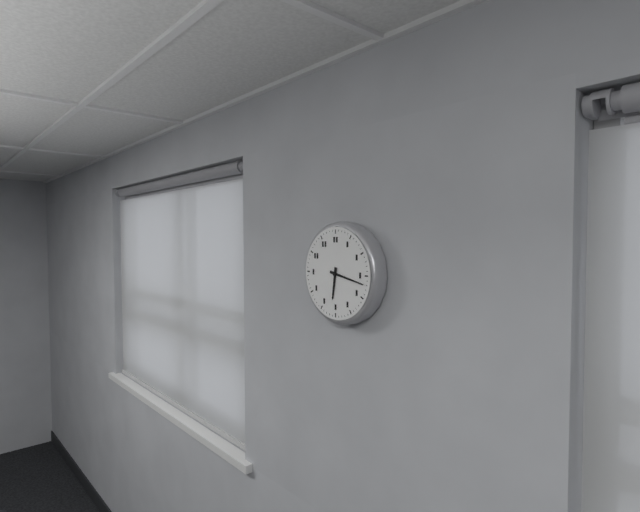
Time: {"hour": 6, "minute": 17}
